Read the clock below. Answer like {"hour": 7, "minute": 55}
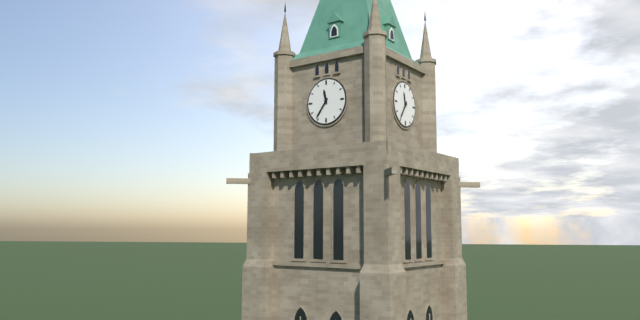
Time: {"hour": 11, "minute": 36}
